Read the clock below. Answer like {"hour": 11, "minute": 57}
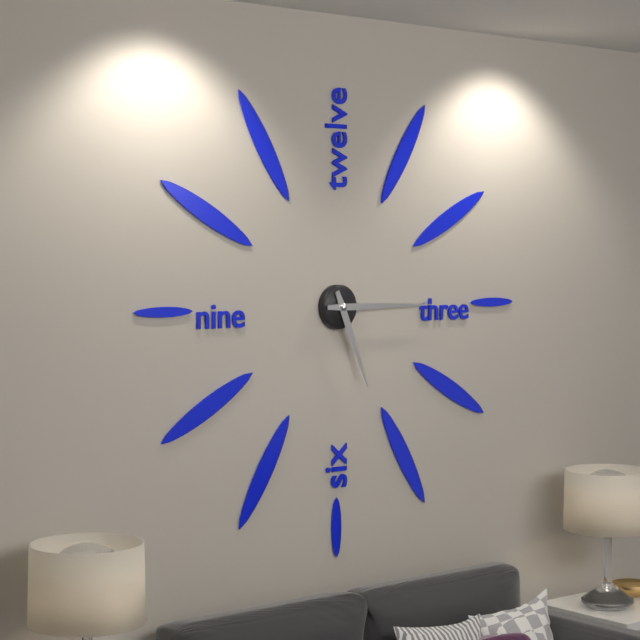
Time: {"hour": 5, "minute": 15}
